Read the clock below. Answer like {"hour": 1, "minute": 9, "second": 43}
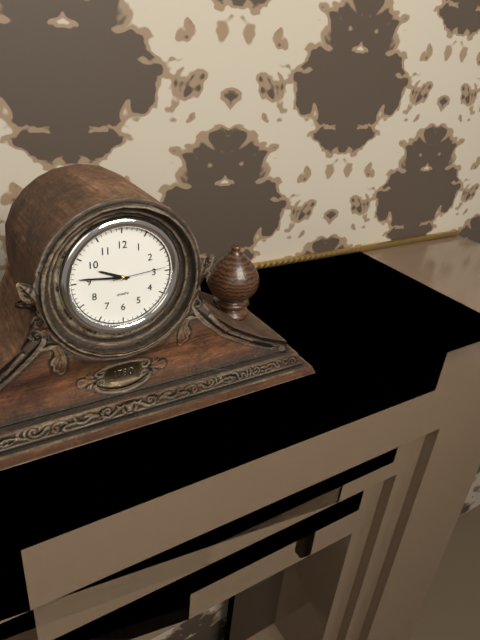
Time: {"hour": 9, "minute": 46, "second": 14}
